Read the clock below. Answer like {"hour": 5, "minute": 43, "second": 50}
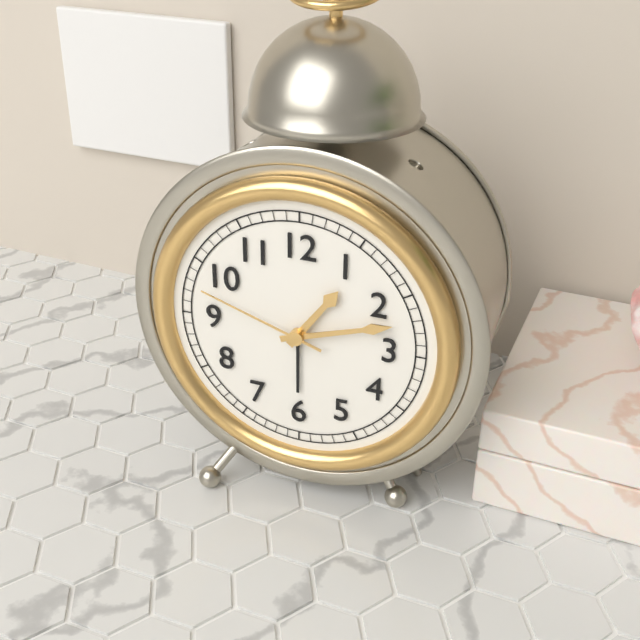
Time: {"hour": 1, "minute": 12, "second": 48}
